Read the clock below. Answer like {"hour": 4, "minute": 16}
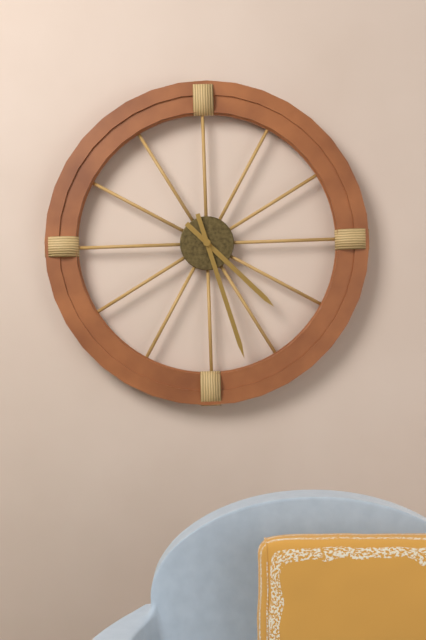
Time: {"hour": 4, "minute": 27}
